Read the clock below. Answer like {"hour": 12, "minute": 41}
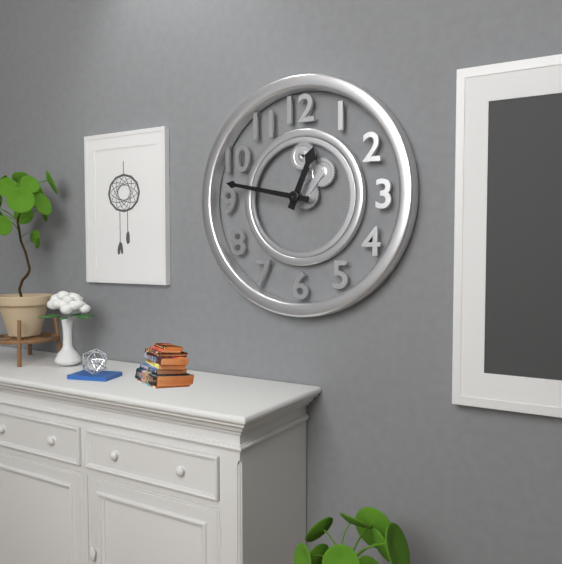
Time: {"hour": 12, "minute": 47}
